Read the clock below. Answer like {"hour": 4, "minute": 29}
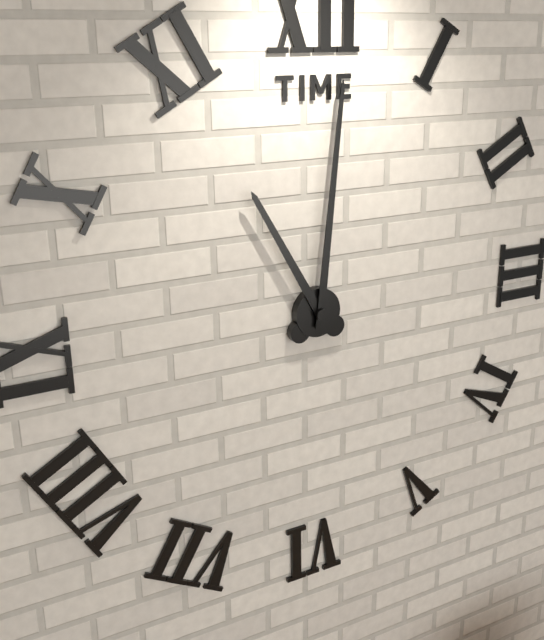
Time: {"hour": 11, "minute": 1}
